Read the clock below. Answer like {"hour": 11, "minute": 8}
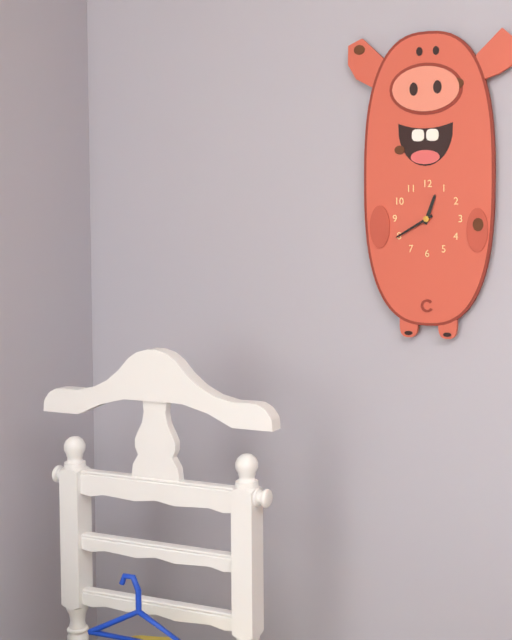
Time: {"hour": 12, "minute": 40}
